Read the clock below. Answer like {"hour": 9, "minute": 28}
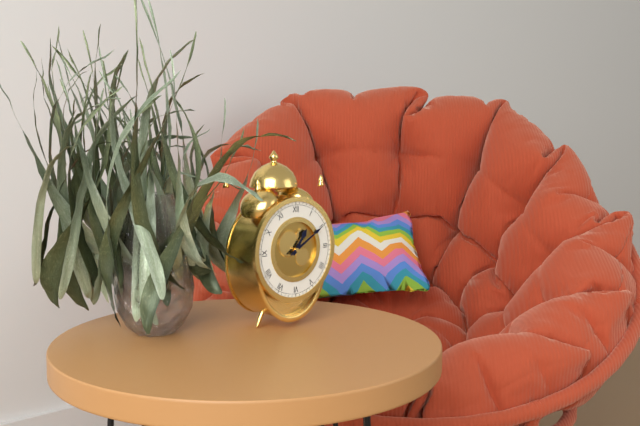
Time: {"hour": 1, "minute": 10}
